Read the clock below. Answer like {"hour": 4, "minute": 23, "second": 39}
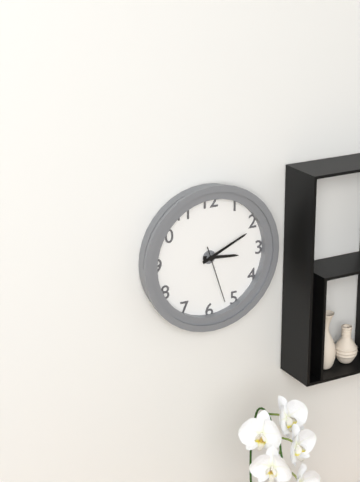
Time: {"hour": 3, "minute": 11, "second": 27}
